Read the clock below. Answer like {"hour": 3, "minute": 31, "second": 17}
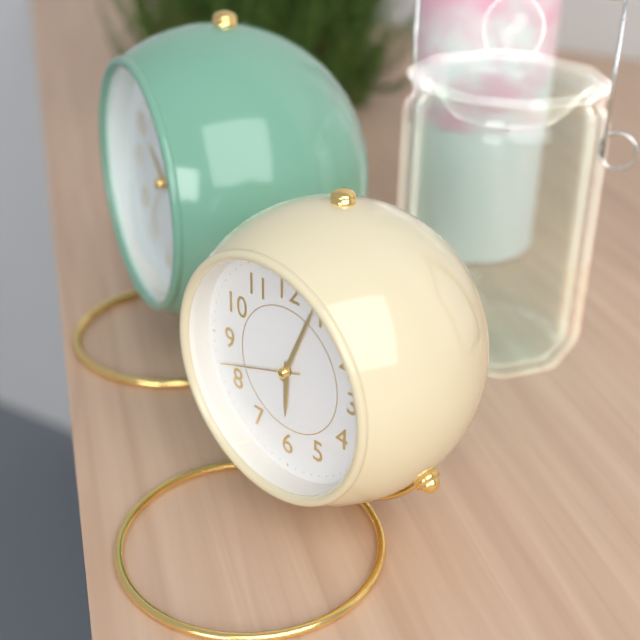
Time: {"hour": 6, "minute": 4, "second": 42}
